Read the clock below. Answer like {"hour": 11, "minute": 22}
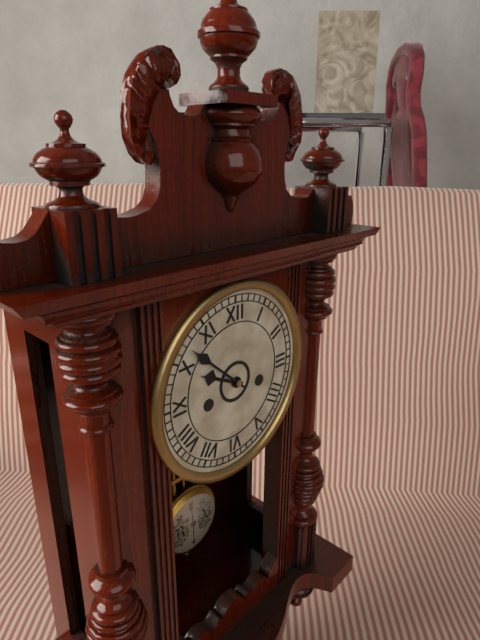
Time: {"hour": 9, "minute": 52}
